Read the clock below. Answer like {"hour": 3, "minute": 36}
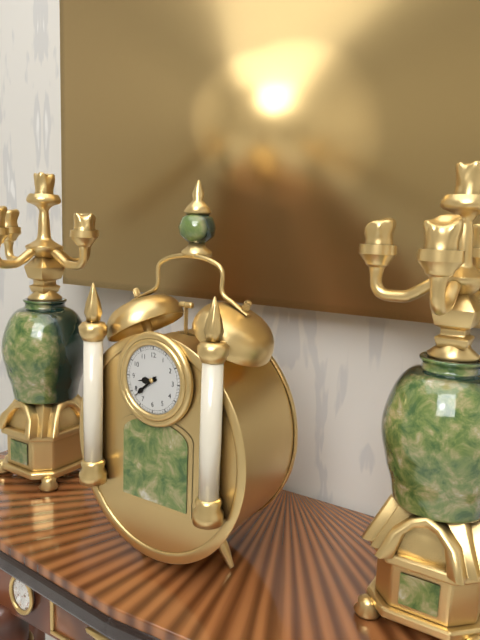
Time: {"hour": 8, "minute": 38}
